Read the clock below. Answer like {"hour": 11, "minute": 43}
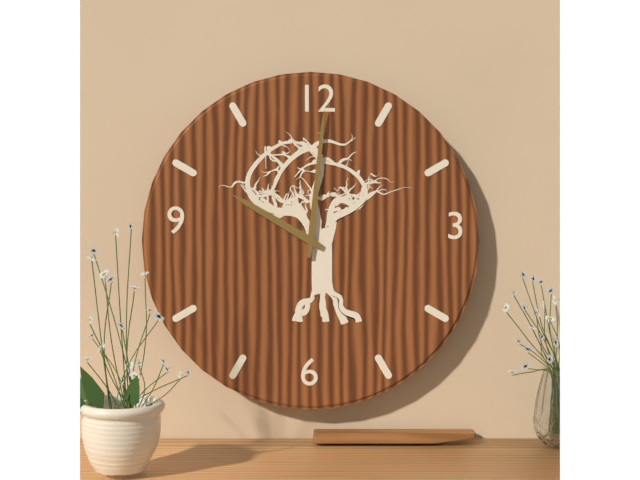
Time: {"hour": 10, "minute": 1}
